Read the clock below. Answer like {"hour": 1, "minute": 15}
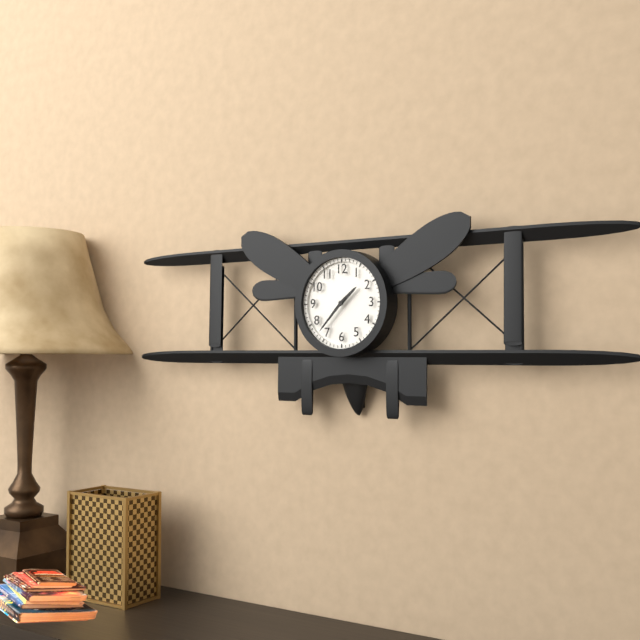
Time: {"hour": 1, "minute": 37}
